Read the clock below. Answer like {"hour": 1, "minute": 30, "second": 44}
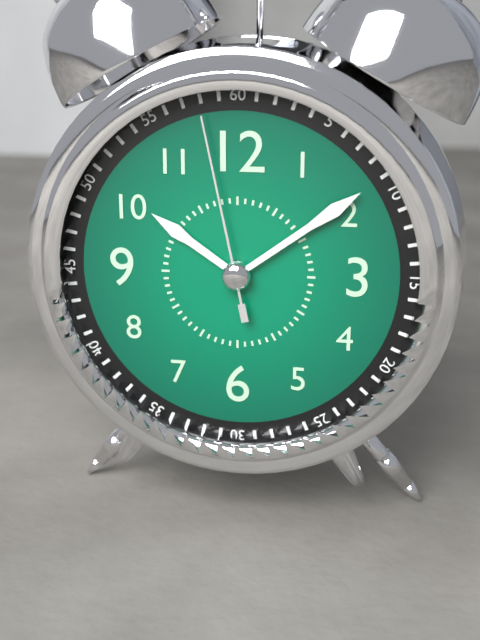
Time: {"hour": 10, "minute": 9, "second": 58}
